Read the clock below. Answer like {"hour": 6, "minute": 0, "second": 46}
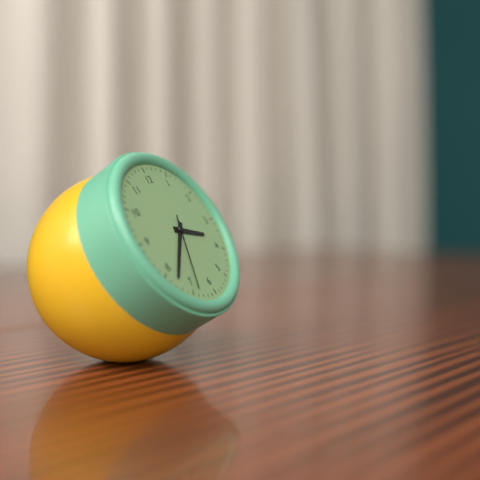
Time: {"hour": 3, "minute": 38, "second": 34}
